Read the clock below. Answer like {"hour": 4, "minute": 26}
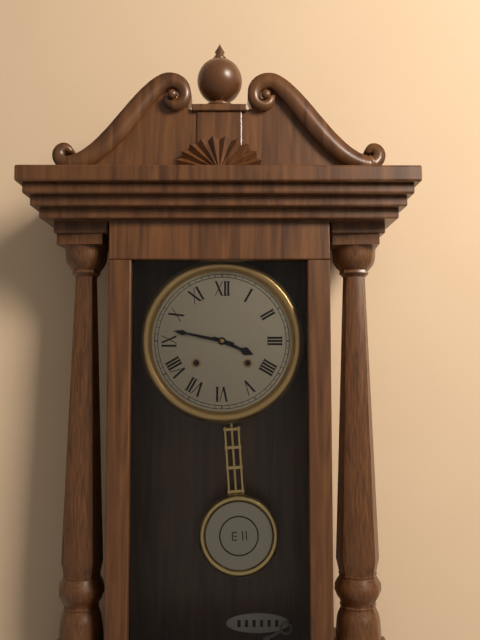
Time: {"hour": 3, "minute": 47}
